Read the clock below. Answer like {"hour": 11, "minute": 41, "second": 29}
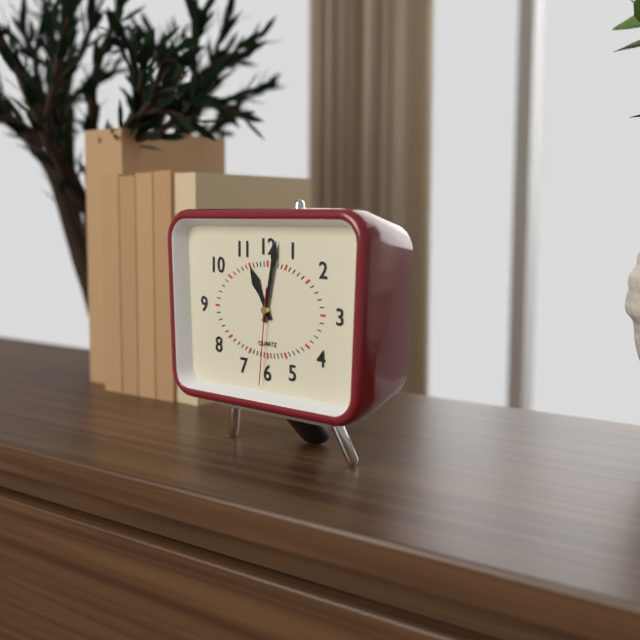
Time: {"hour": 11, "minute": 2, "second": 31}
